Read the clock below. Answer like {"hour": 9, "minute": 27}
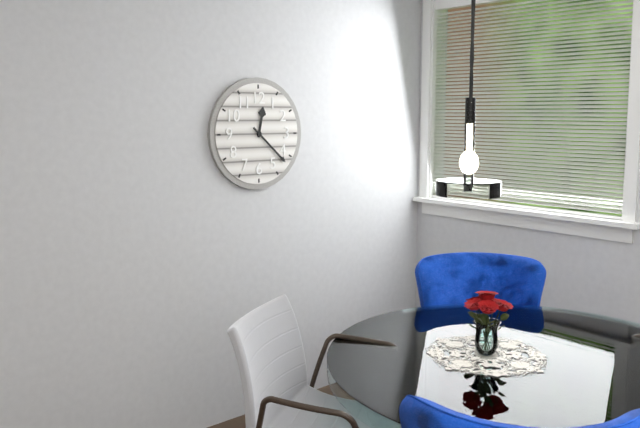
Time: {"hour": 12, "minute": 22}
